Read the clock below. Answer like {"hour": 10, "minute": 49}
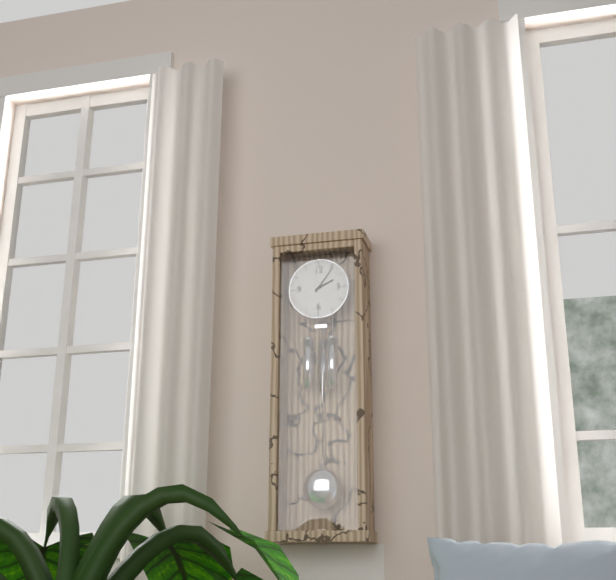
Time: {"hour": 2, "minute": 6}
